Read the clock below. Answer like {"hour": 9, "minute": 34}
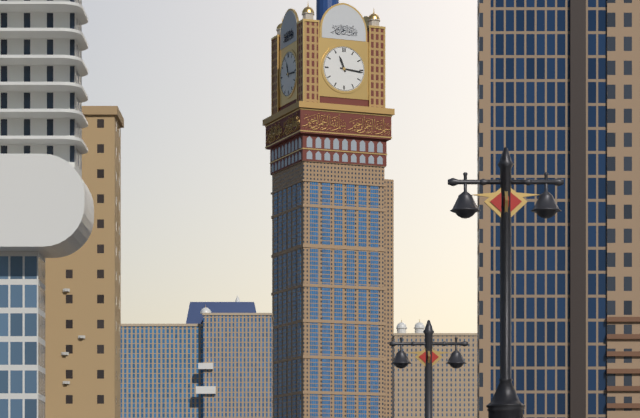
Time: {"hour": 11, "minute": 16}
